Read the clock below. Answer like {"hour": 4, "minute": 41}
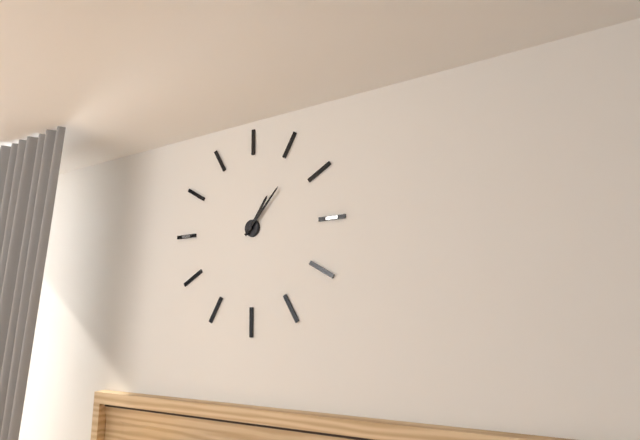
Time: {"hour": 1, "minute": 7}
